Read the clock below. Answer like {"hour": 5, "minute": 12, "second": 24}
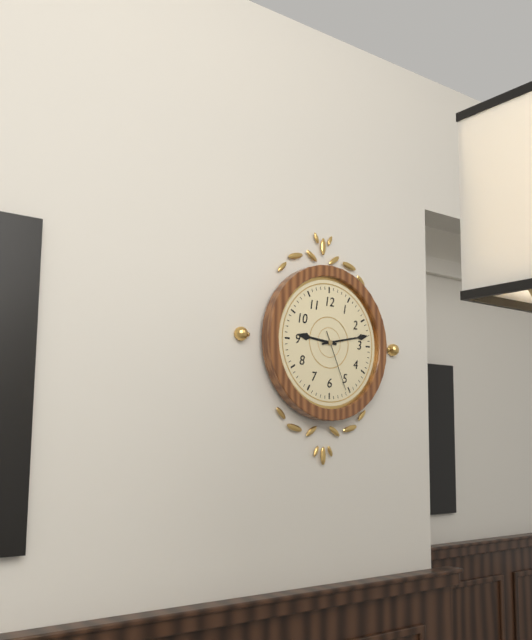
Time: {"hour": 9, "minute": 13, "second": 26}
